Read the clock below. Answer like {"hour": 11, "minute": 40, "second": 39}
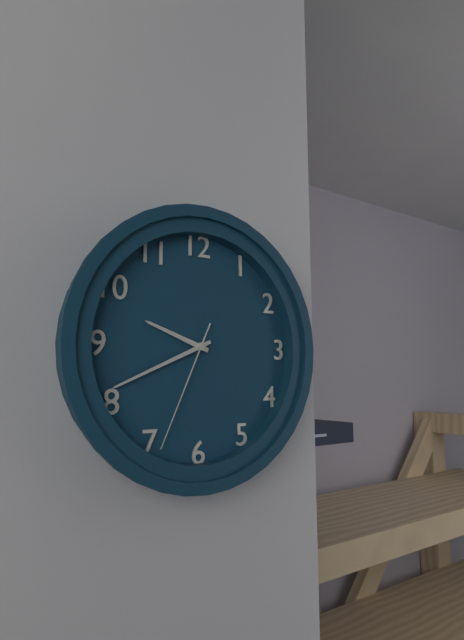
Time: {"hour": 9, "minute": 41, "second": 34}
